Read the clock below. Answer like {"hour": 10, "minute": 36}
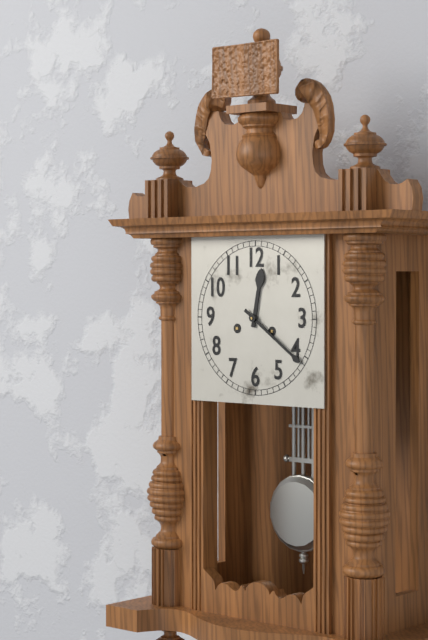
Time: {"hour": 12, "minute": 21}
